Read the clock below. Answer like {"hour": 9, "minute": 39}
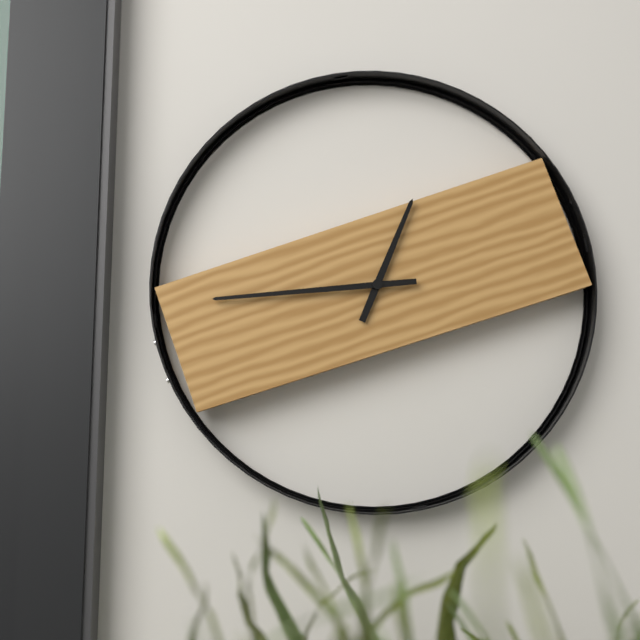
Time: {"hour": 12, "minute": 44}
